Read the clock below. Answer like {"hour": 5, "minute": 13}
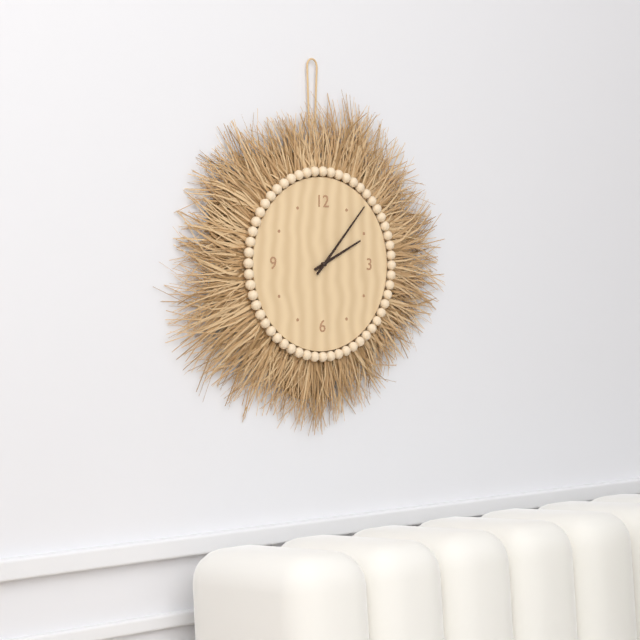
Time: {"hour": 2, "minute": 7}
